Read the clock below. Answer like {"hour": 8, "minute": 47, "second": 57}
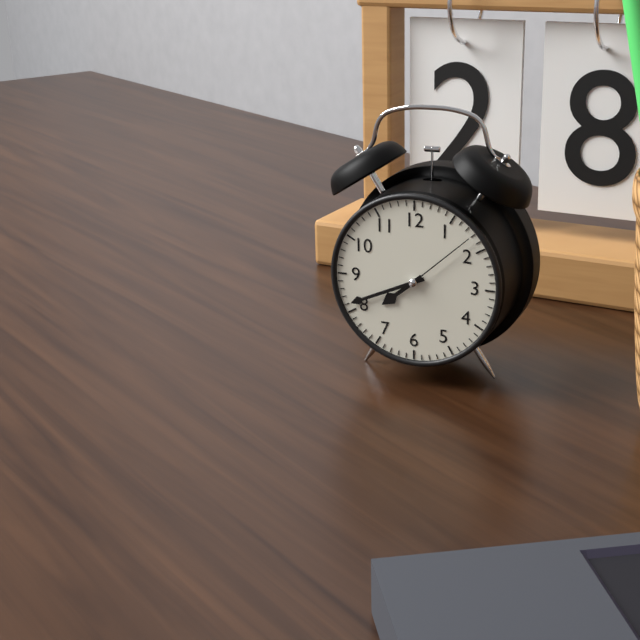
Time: {"hour": 7, "minute": 41, "second": 8}
